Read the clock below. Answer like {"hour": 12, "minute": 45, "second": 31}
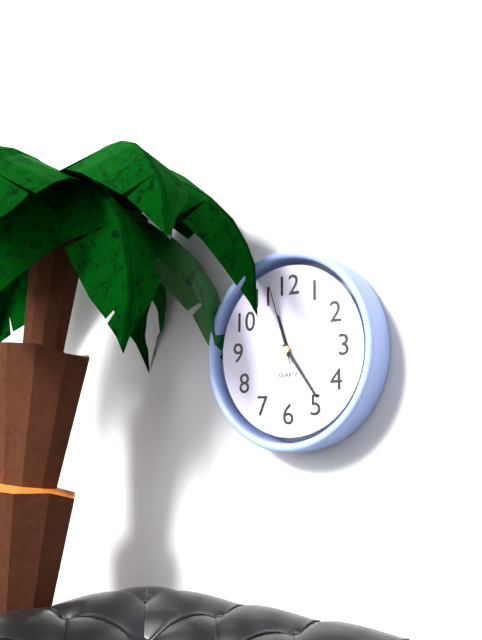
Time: {"hour": 11, "minute": 24, "second": 57}
